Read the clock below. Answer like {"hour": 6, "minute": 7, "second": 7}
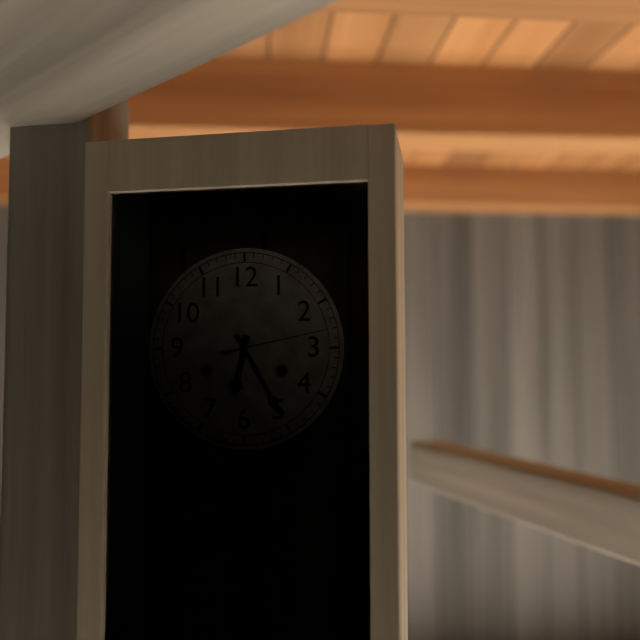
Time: {"hour": 6, "minute": 25, "second": 13}
